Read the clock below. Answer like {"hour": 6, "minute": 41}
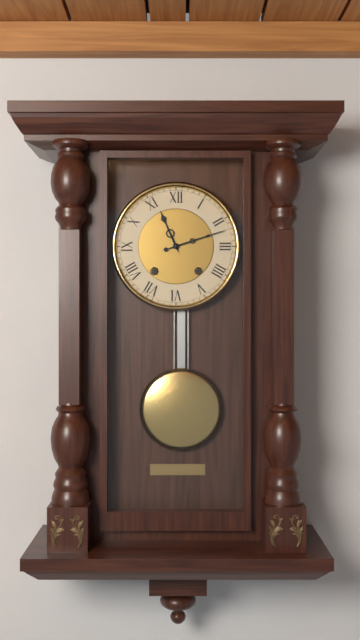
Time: {"hour": 11, "minute": 12}
